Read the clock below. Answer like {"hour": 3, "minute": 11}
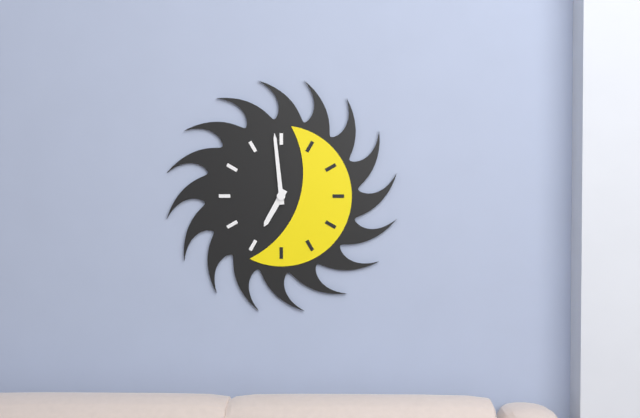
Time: {"hour": 6, "minute": 59}
